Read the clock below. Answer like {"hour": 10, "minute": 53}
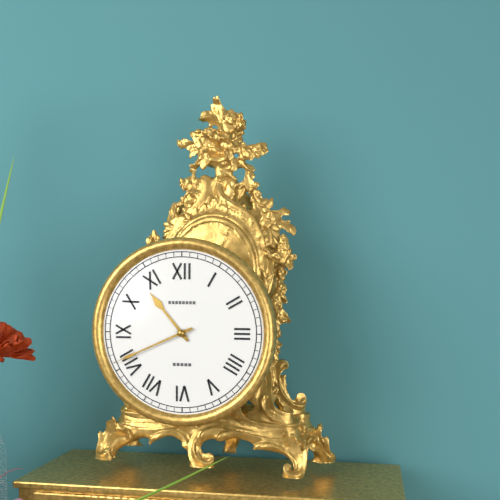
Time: {"hour": 10, "minute": 41}
